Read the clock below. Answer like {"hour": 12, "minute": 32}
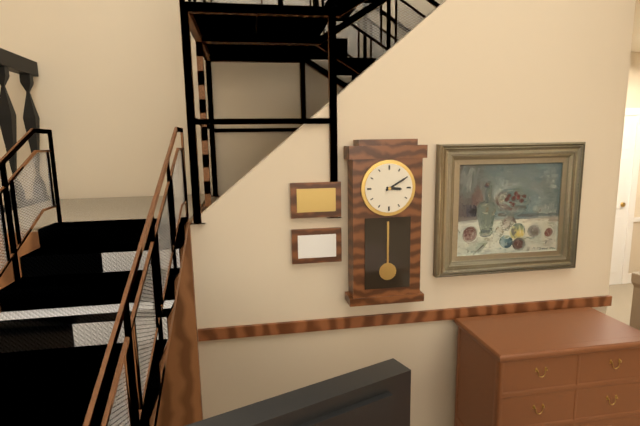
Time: {"hour": 3, "minute": 10}
